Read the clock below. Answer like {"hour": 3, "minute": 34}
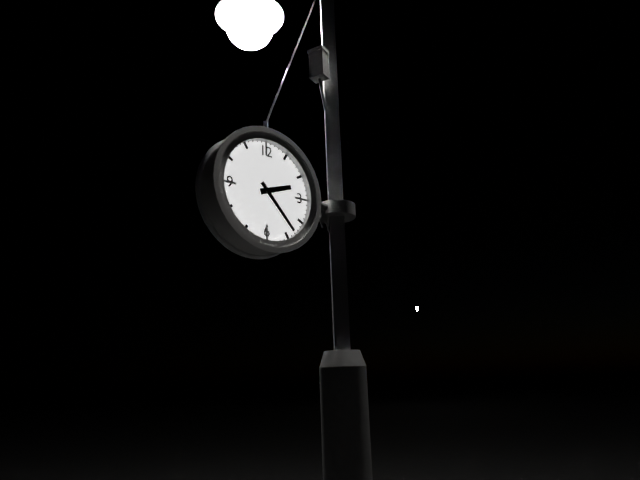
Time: {"hour": 2, "minute": 23}
